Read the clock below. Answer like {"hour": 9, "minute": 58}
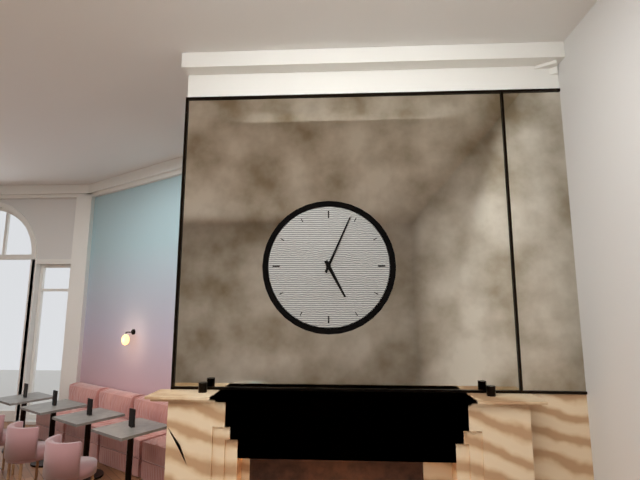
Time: {"hour": 5, "minute": 4}
